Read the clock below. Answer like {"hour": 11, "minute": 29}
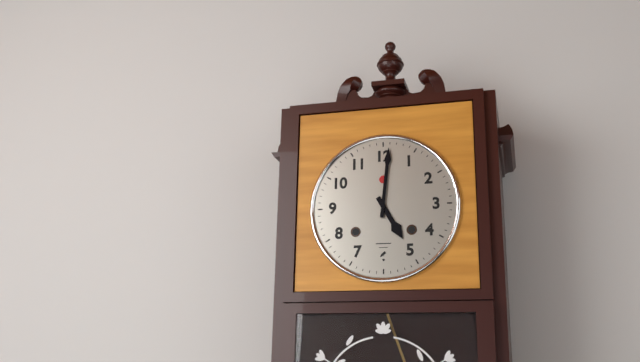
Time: {"hour": 5, "minute": 1}
